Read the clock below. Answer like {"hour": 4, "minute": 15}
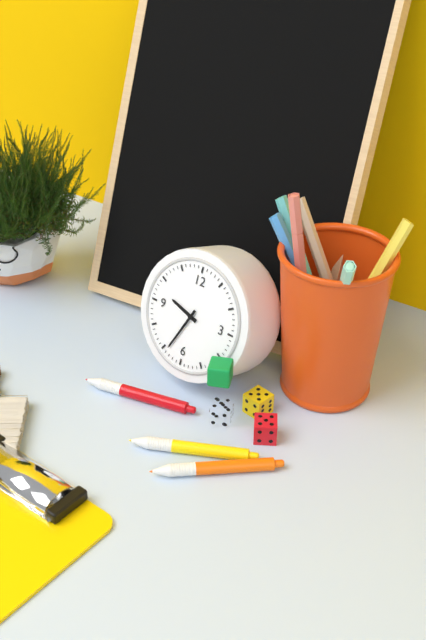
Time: {"hour": 9, "minute": 34}
